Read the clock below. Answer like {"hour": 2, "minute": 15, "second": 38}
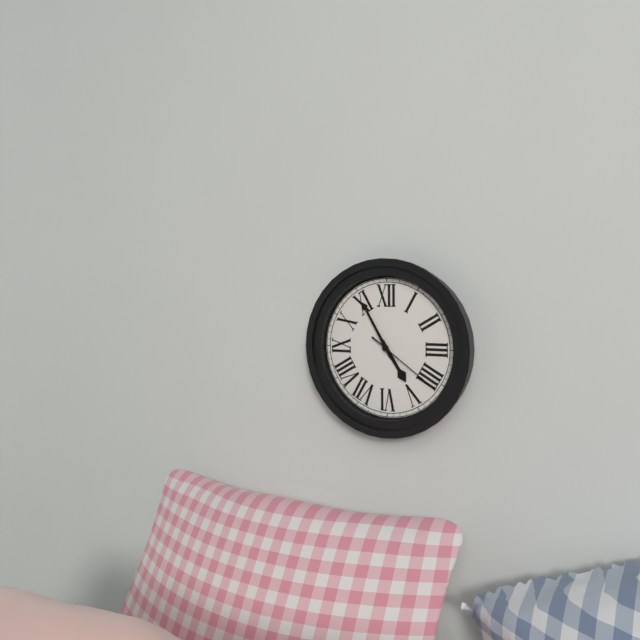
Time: {"hour": 4, "minute": 55, "second": 21}
